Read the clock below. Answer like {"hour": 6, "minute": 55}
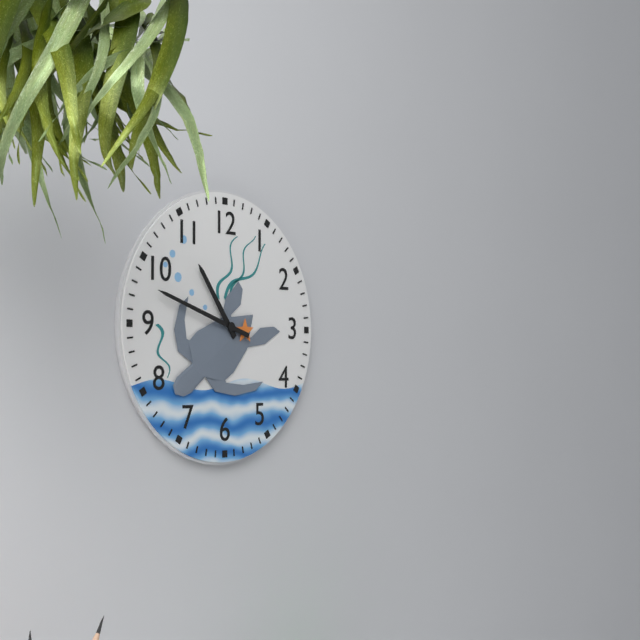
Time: {"hour": 10, "minute": 48}
